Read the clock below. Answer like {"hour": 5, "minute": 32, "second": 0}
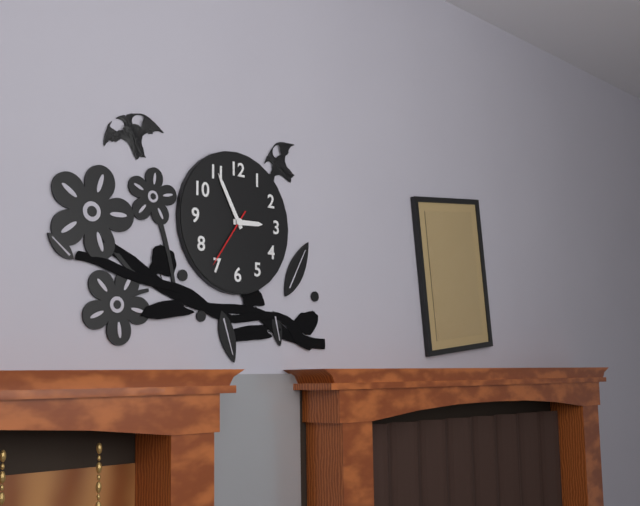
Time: {"hour": 2, "minute": 55, "second": 36}
